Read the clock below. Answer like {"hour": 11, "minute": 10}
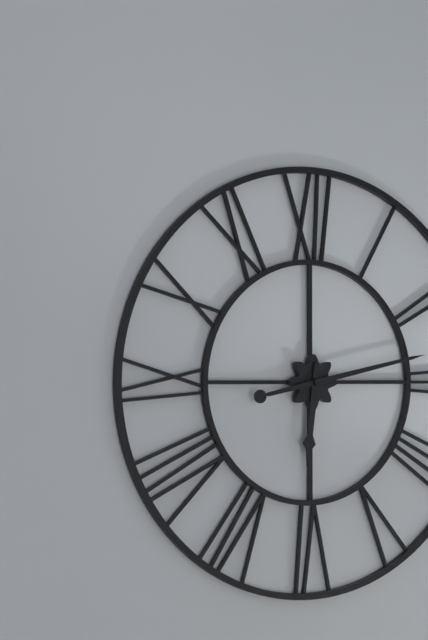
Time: {"hour": 6, "minute": 13}
